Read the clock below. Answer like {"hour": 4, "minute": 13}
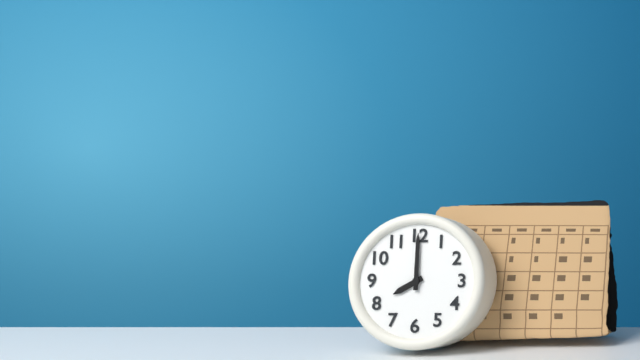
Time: {"hour": 8, "minute": 0}
